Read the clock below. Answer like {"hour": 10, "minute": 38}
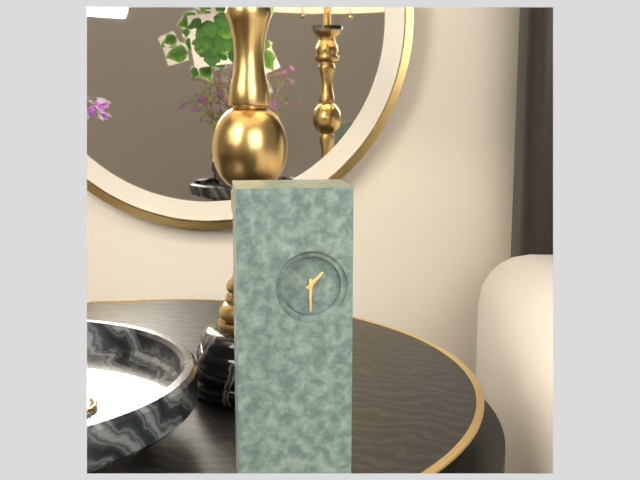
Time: {"hour": 1, "minute": 30}
